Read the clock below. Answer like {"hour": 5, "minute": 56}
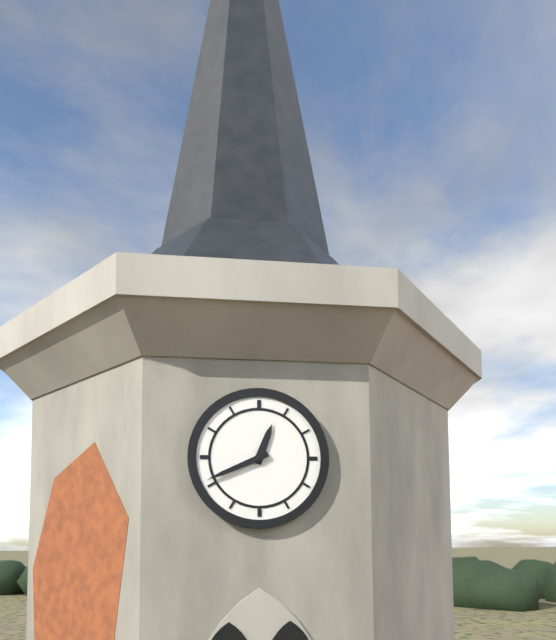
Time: {"hour": 12, "minute": 41}
